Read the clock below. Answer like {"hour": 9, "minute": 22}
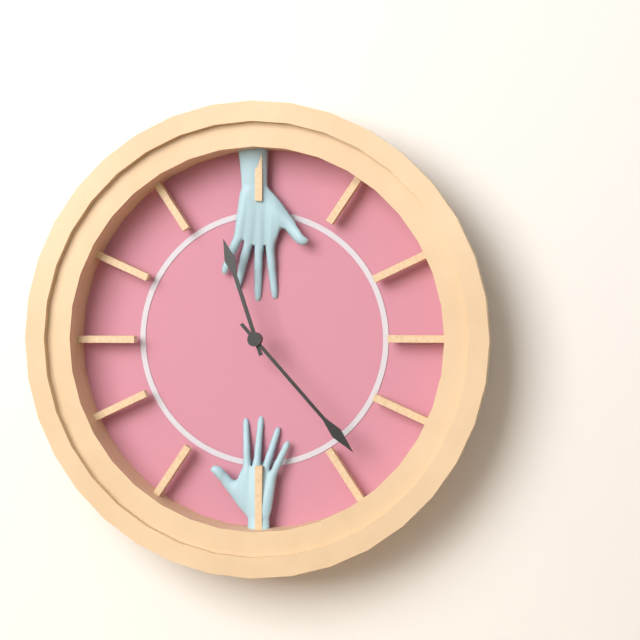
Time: {"hour": 11, "minute": 23}
